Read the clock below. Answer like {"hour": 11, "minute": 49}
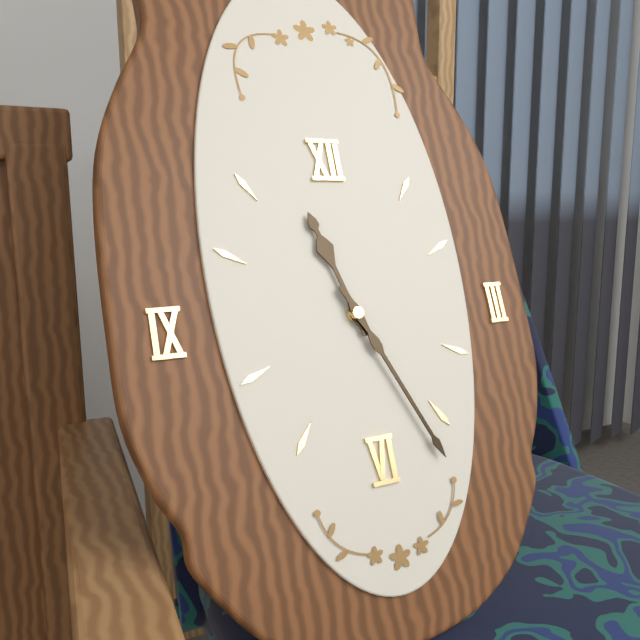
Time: {"hour": 11, "minute": 26}
